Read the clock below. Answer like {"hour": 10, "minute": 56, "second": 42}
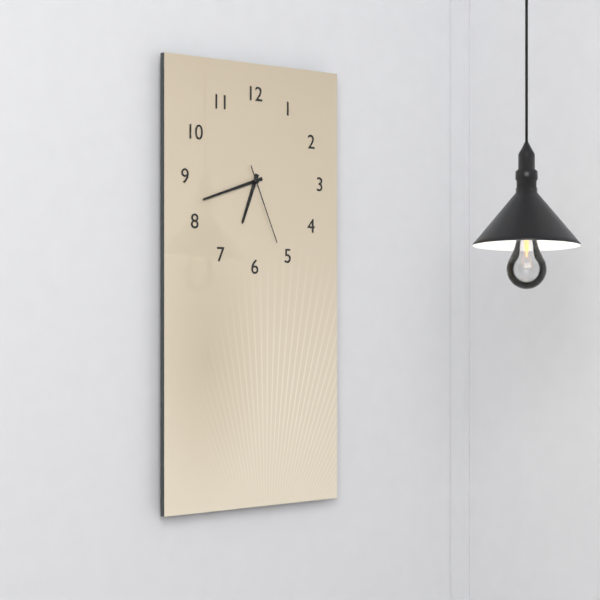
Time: {"hour": 6, "minute": 42, "second": 26}
